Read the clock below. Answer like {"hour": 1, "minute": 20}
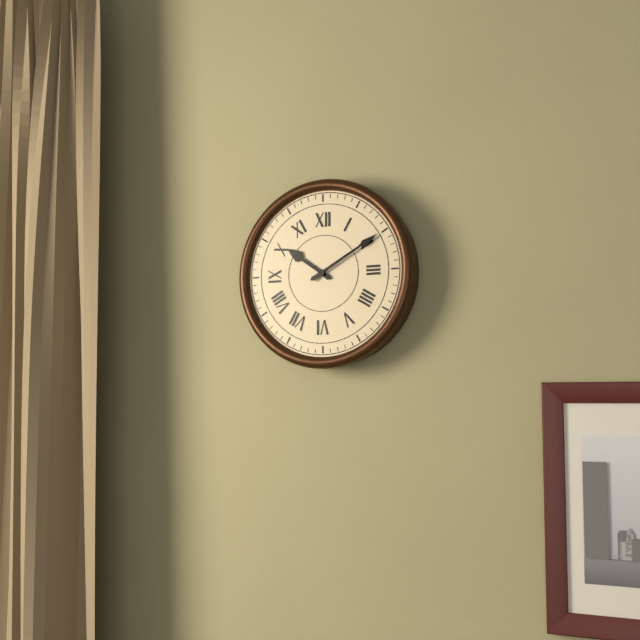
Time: {"hour": 10, "minute": 10}
